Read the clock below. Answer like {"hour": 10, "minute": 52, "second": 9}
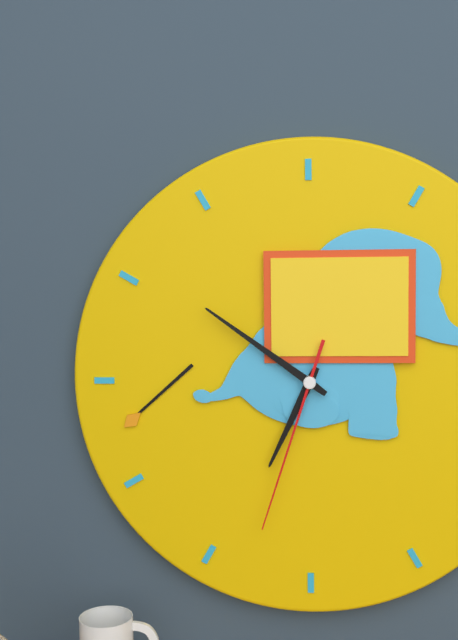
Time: {"hour": 6, "minute": 51, "second": 33}
